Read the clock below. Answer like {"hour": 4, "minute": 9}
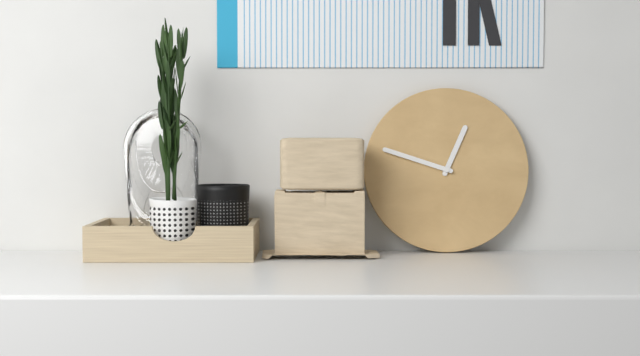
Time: {"hour": 12, "minute": 48}
